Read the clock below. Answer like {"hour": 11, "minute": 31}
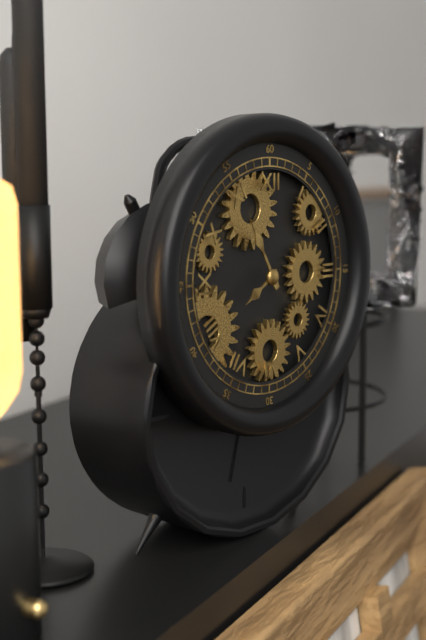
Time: {"hour": 7, "minute": 55}
